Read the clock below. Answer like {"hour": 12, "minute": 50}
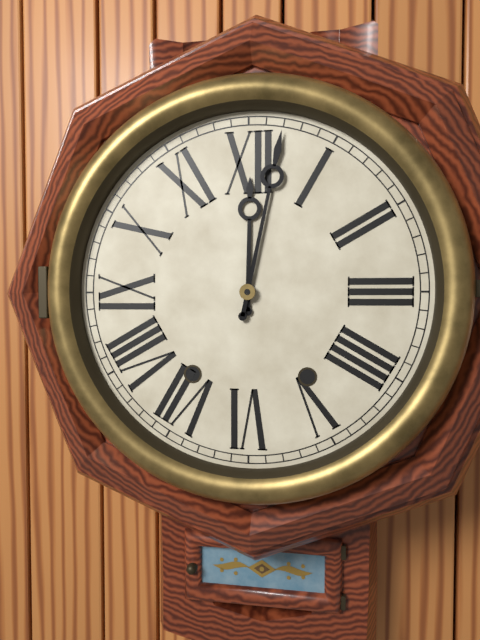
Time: {"hour": 12, "minute": 2}
